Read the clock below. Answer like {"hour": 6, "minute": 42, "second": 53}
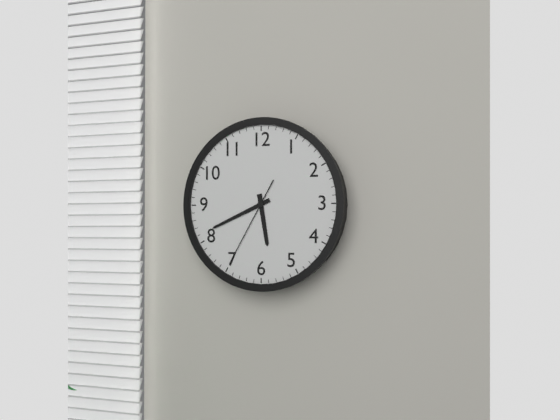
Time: {"hour": 5, "minute": 41, "second": 35}
